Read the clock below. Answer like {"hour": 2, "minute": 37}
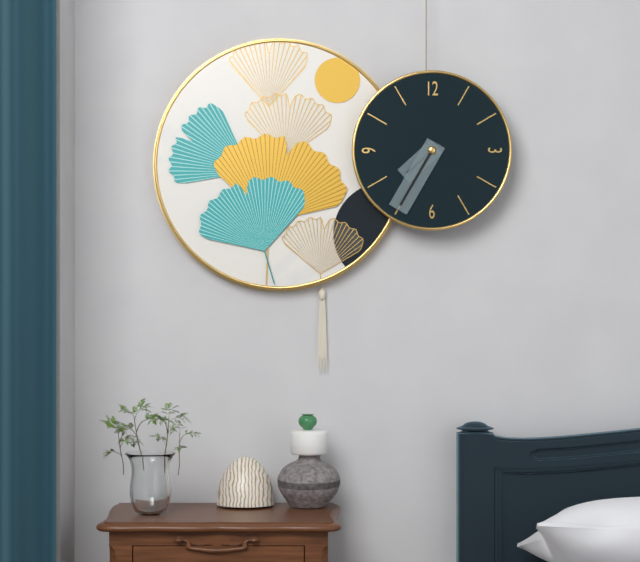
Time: {"hour": 7, "minute": 35}
